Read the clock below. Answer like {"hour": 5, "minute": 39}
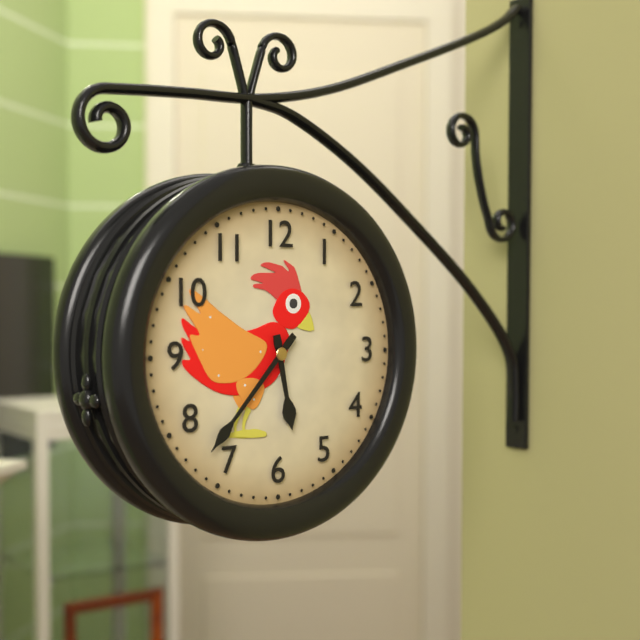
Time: {"hour": 5, "minute": 37}
